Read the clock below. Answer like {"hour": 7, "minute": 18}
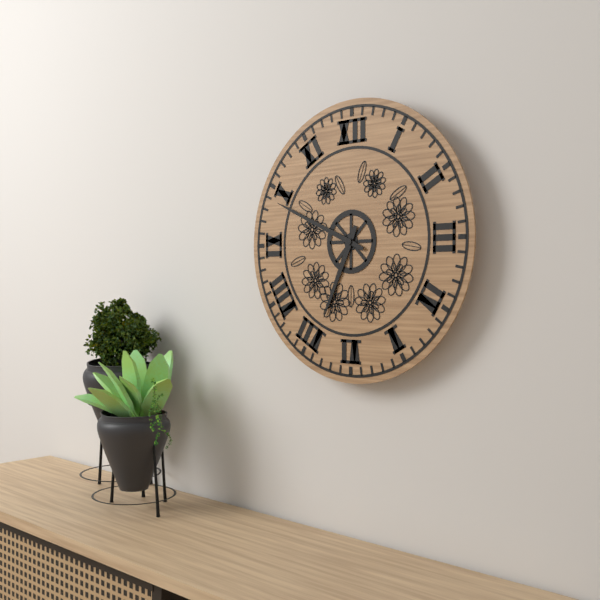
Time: {"hour": 6, "minute": 49}
